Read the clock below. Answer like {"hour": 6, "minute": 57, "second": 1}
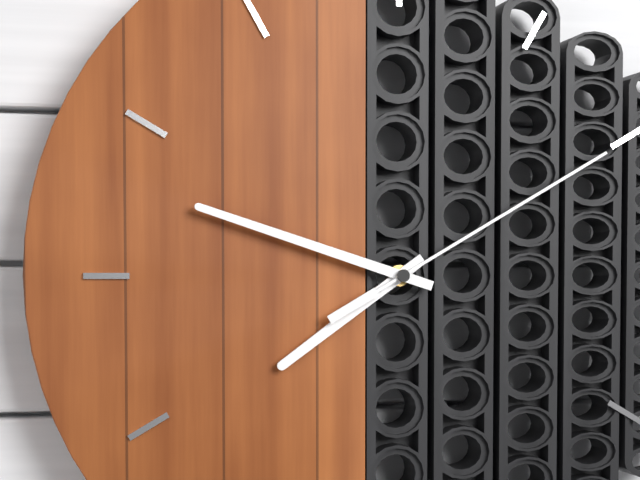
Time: {"hour": 7, "minute": 48, "second": 10}
